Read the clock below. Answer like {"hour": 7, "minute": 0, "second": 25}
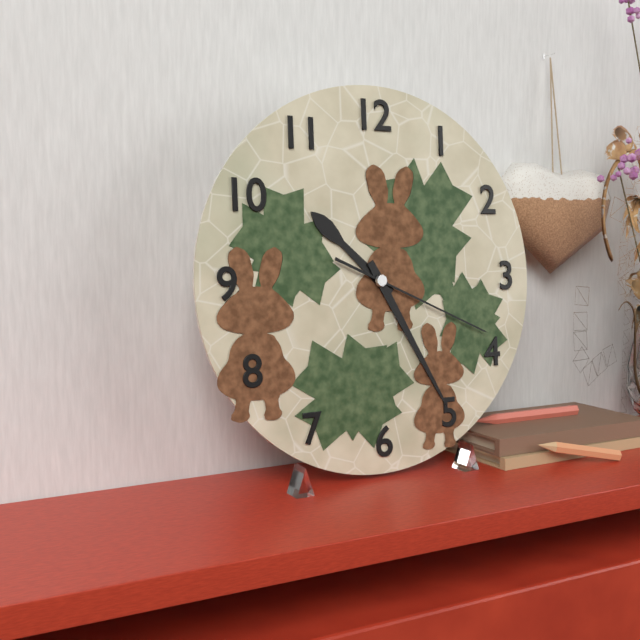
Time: {"hour": 10, "minute": 25, "second": 19}
